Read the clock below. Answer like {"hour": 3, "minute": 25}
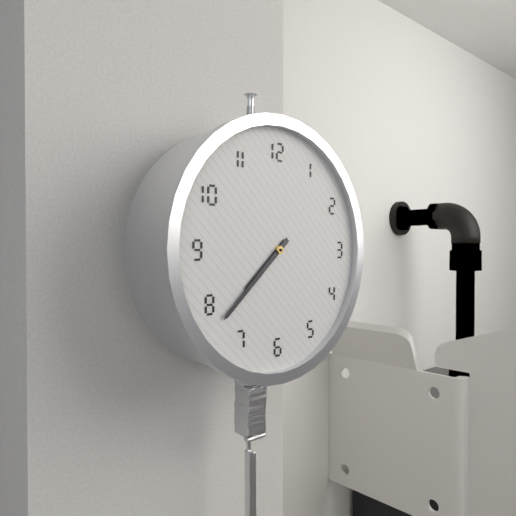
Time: {"hour": 7, "minute": 38}
